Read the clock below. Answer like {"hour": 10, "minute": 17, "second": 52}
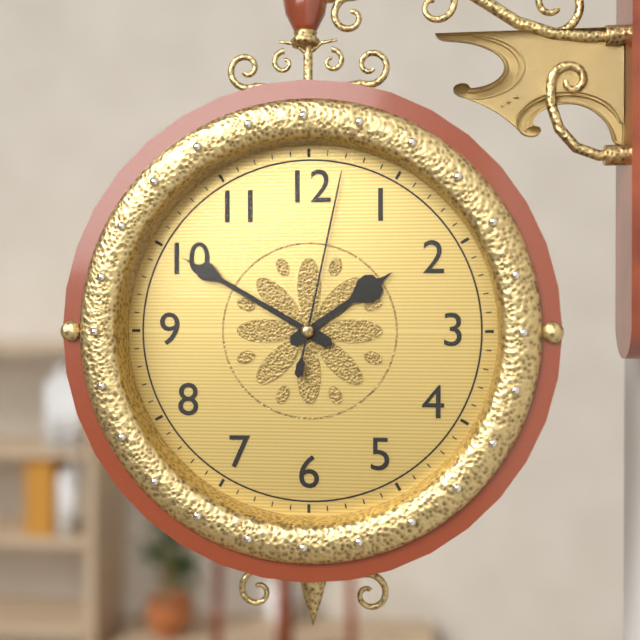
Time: {"hour": 1, "minute": 50, "second": 2}
